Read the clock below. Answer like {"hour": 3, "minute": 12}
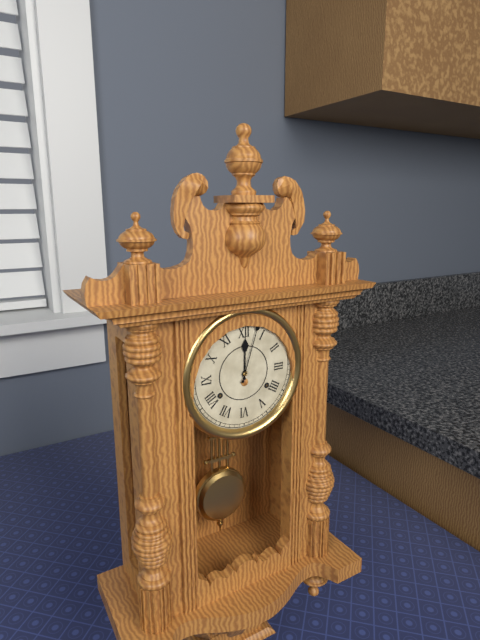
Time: {"hour": 12, "minute": 3}
